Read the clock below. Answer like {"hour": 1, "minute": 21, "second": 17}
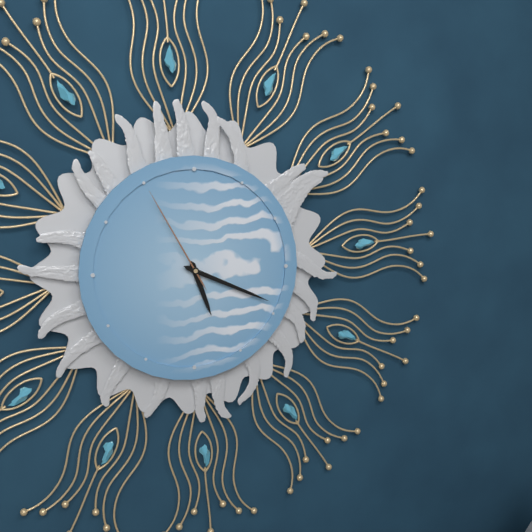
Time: {"hour": 5, "minute": 19, "second": 55}
